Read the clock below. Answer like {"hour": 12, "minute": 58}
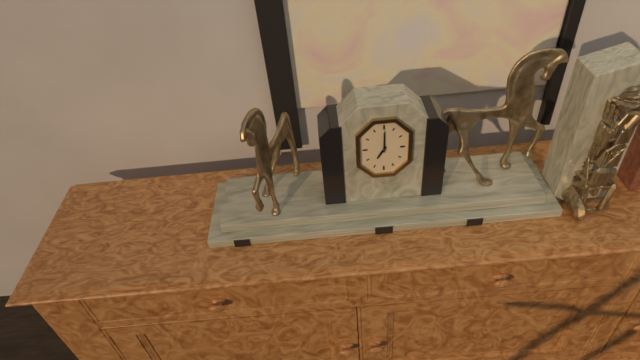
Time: {"hour": 7, "minute": 0}
